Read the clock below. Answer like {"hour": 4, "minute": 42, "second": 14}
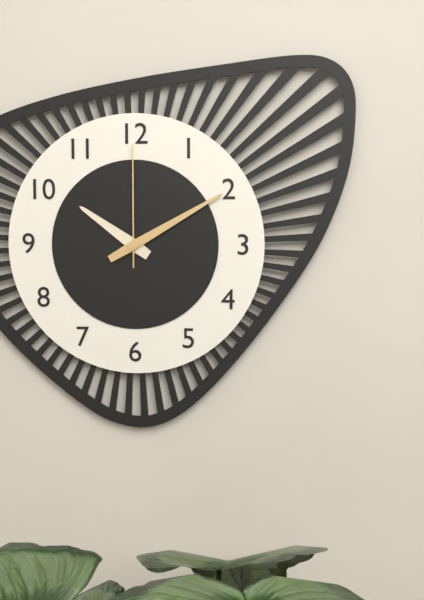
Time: {"hour": 10, "minute": 10, "second": 0}
